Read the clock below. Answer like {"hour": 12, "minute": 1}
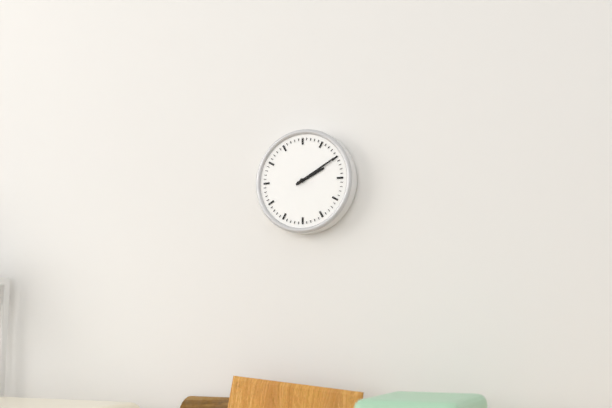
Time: {"hour": 2, "minute": 10}
